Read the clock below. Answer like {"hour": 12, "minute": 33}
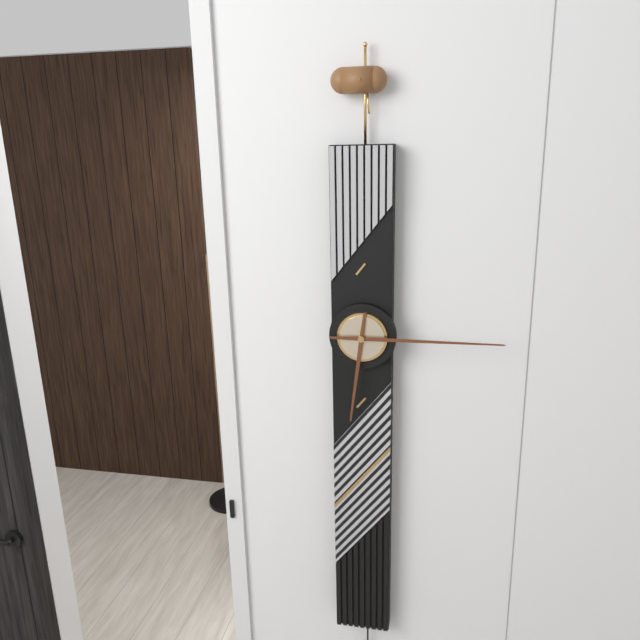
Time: {"hour": 6, "minute": 15}
